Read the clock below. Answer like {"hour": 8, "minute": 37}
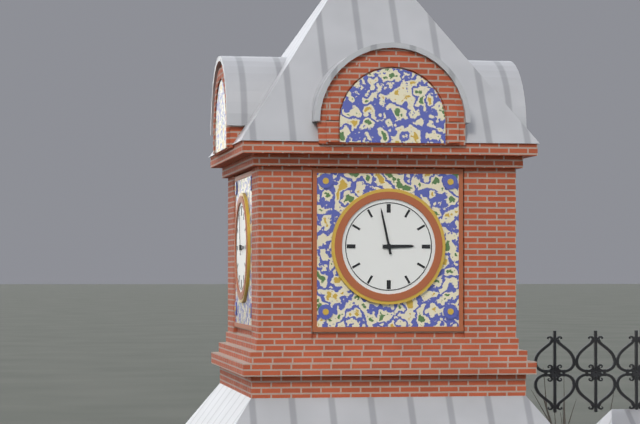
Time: {"hour": 2, "minute": 58}
